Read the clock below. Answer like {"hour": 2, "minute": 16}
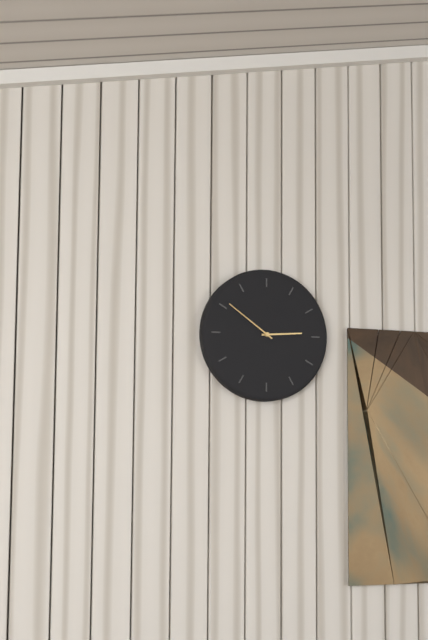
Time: {"hour": 2, "minute": 51}
